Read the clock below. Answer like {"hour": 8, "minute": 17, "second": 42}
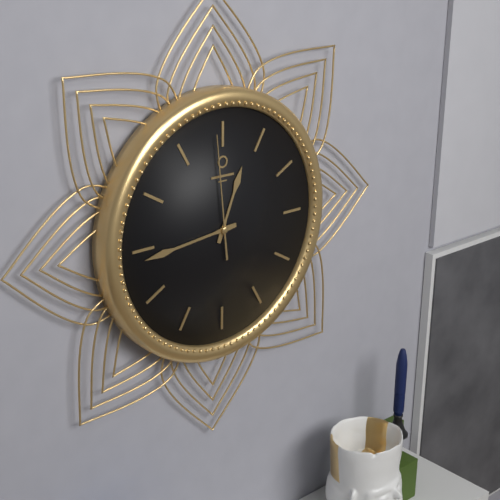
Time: {"hour": 12, "minute": 44, "second": 59}
